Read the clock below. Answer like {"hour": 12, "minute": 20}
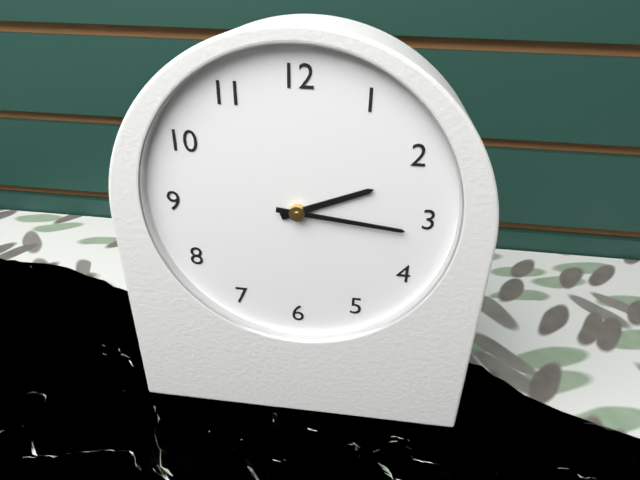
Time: {"hour": 2, "minute": 16}
